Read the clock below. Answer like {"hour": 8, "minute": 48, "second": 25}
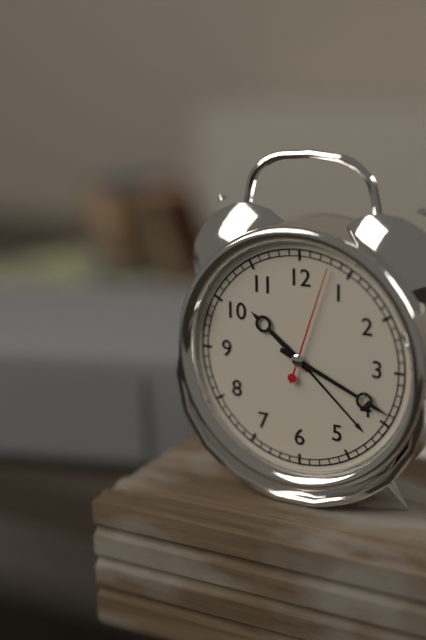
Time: {"hour": 10, "minute": 19, "second": 3}
